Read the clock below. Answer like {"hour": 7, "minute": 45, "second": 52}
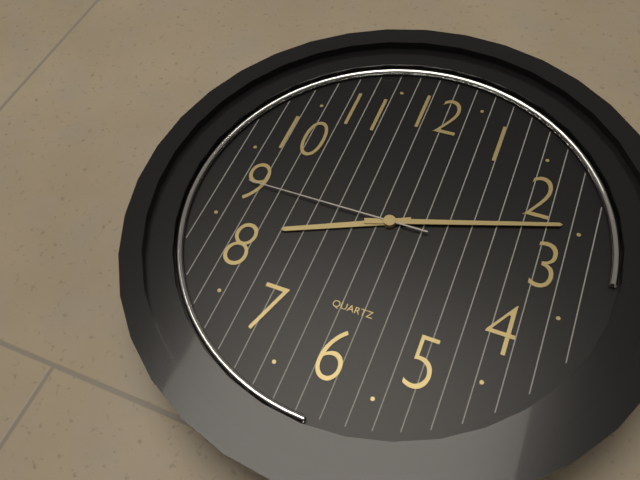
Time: {"hour": 8, "minute": 12, "second": 45}
